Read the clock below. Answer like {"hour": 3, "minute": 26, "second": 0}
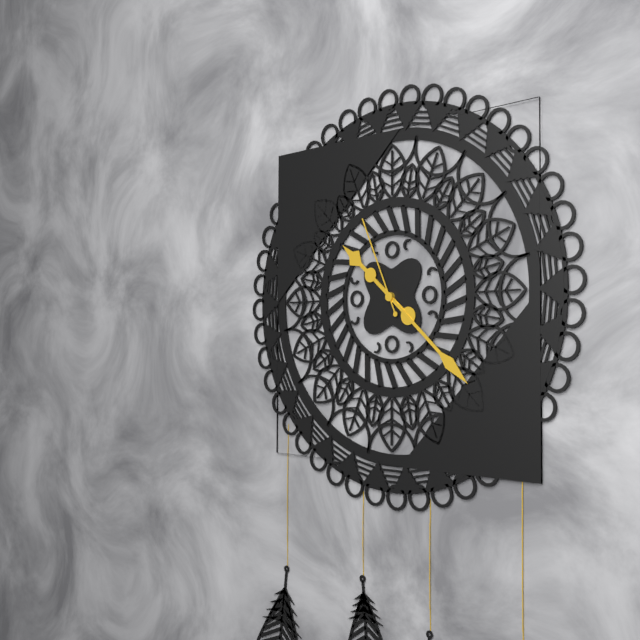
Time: {"hour": 10, "minute": 22, "second": 56}
